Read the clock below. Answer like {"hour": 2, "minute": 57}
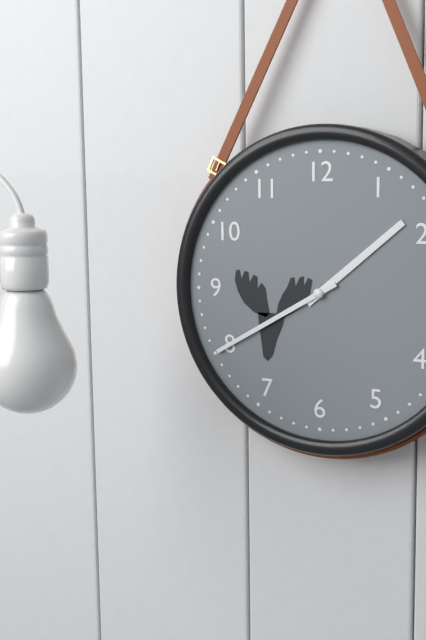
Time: {"hour": 1, "minute": 40}
